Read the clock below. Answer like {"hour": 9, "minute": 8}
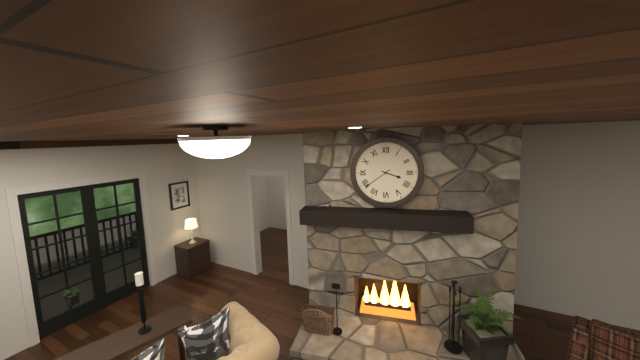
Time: {"hour": 3, "minute": 39}
